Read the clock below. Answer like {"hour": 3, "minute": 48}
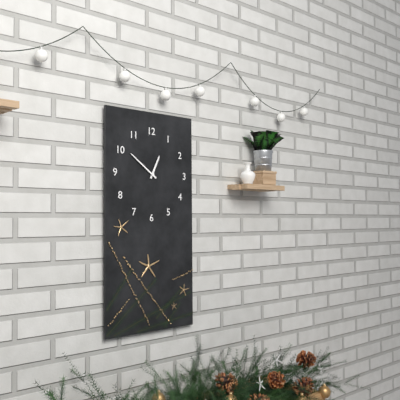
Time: {"hour": 12, "minute": 51}
